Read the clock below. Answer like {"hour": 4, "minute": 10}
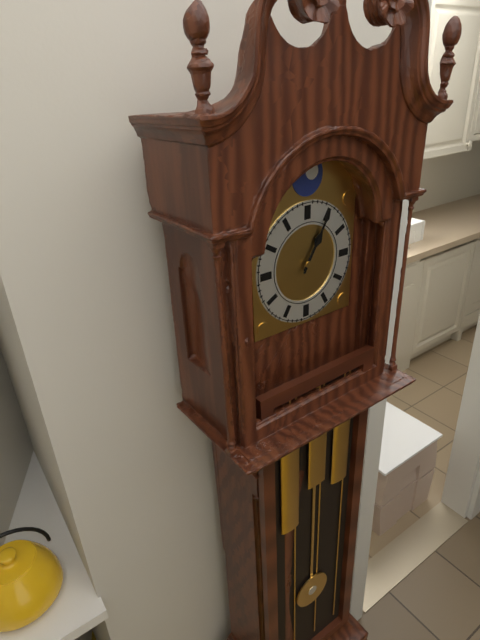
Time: {"hour": 1, "minute": 5}
